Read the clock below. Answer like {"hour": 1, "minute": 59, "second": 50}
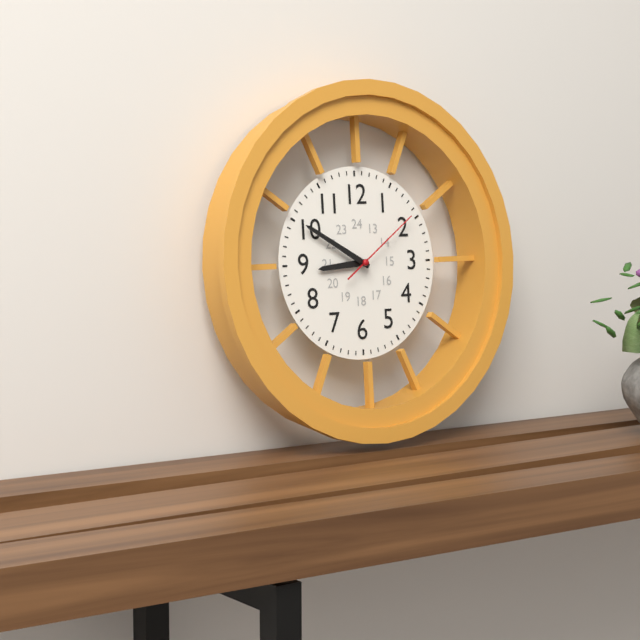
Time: {"hour": 8, "minute": 50, "second": 9}
